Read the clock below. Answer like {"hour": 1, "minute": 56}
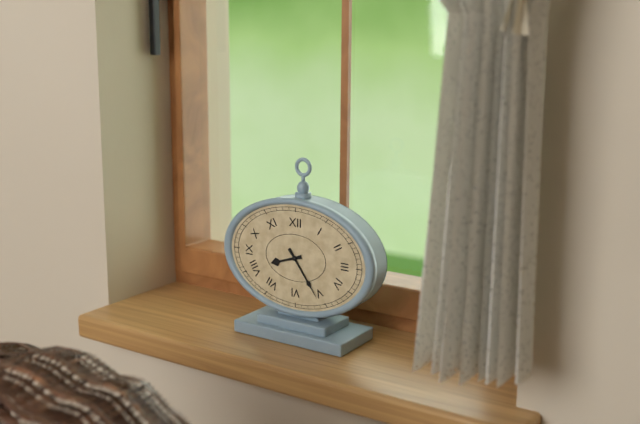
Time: {"hour": 8, "minute": 24}
